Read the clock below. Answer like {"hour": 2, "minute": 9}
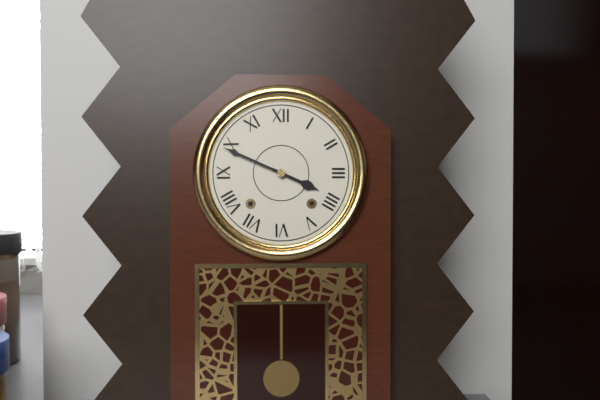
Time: {"hour": 3, "minute": 49}
